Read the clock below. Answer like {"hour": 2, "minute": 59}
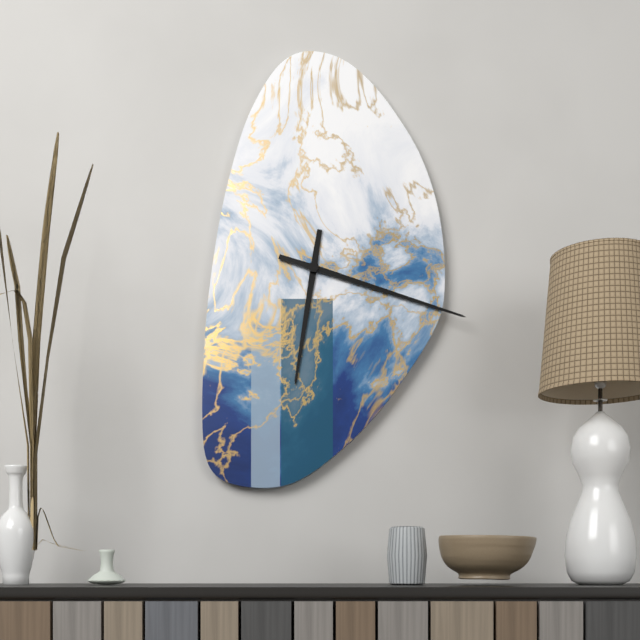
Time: {"hour": 6, "minute": 18}
